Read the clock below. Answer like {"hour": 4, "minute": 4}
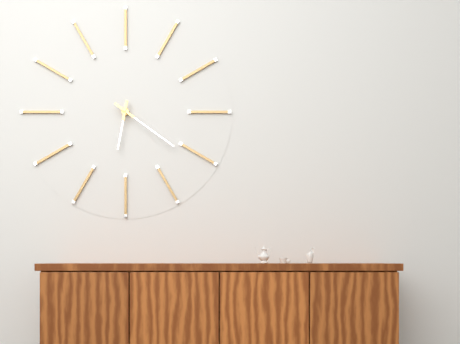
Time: {"hour": 6, "minute": 21}
